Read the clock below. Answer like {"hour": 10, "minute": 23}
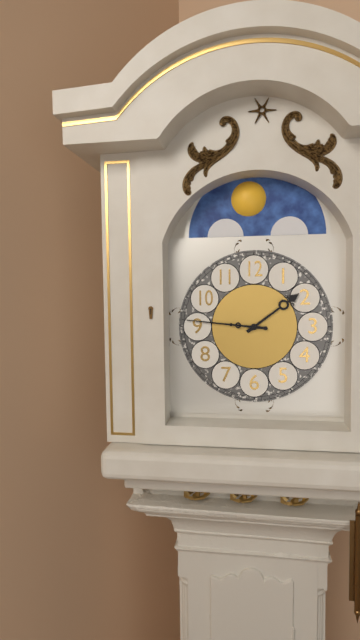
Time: {"hour": 1, "minute": 46}
